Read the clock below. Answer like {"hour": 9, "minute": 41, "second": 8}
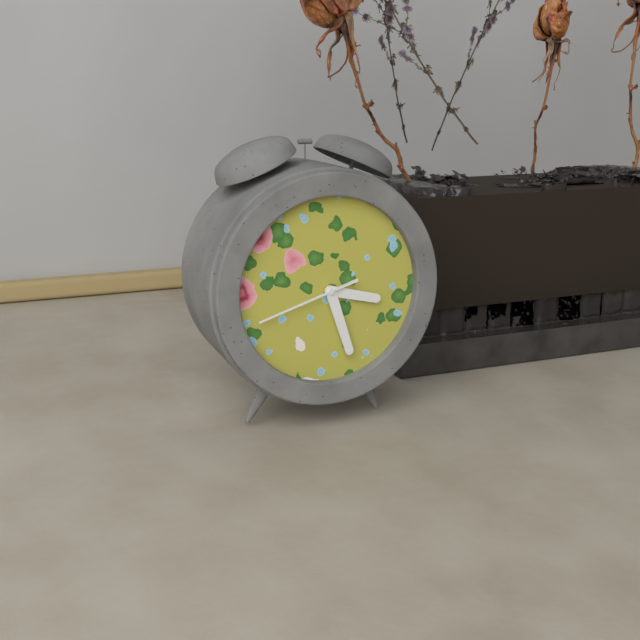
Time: {"hour": 3, "minute": 27, "second": 42}
